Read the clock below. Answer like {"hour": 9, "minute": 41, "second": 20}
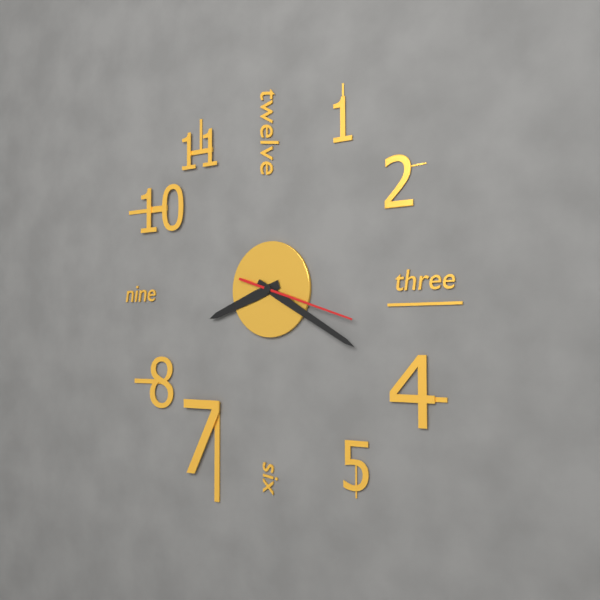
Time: {"hour": 8, "minute": 20, "second": 18}
